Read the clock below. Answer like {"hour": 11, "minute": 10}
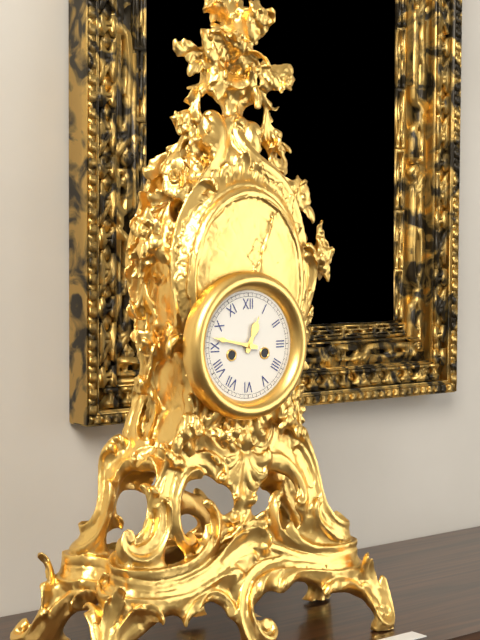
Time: {"hour": 12, "minute": 47}
